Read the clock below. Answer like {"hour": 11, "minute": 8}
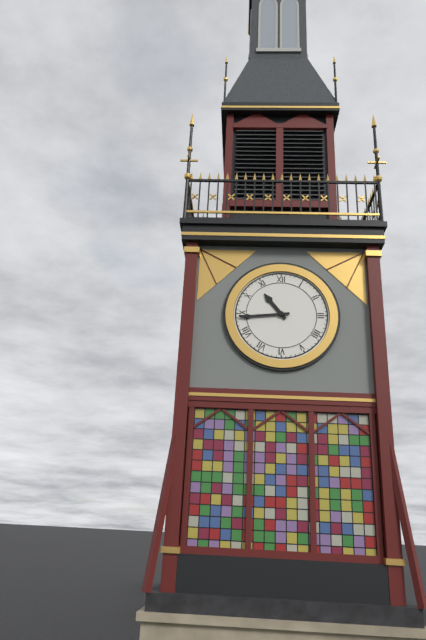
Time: {"hour": 10, "minute": 44}
